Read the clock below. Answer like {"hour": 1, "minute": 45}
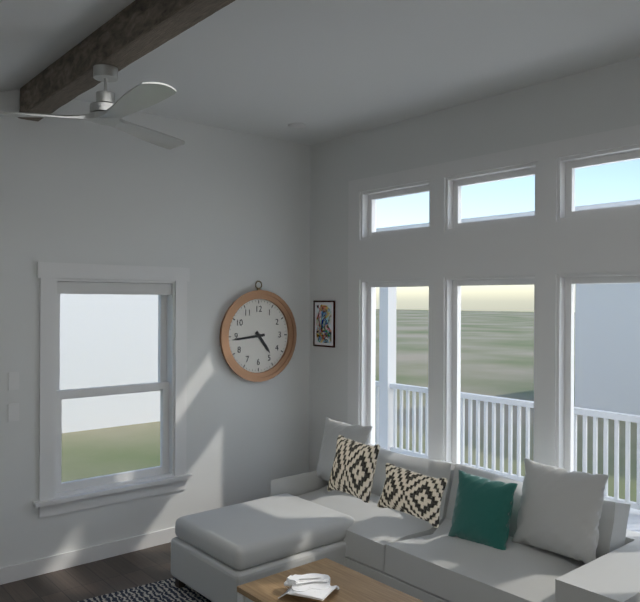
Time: {"hour": 4, "minute": 44}
